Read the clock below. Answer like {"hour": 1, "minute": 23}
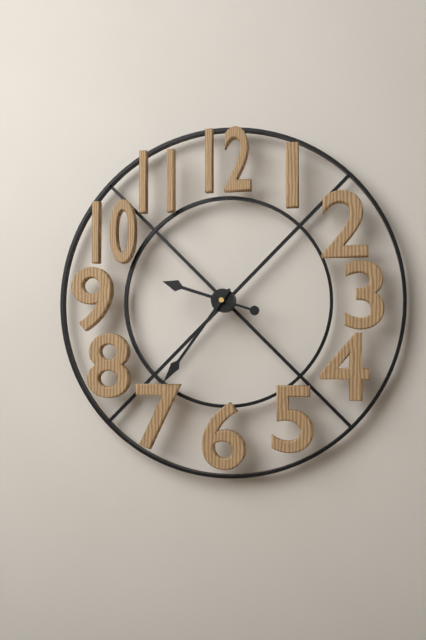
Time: {"hour": 9, "minute": 36}
